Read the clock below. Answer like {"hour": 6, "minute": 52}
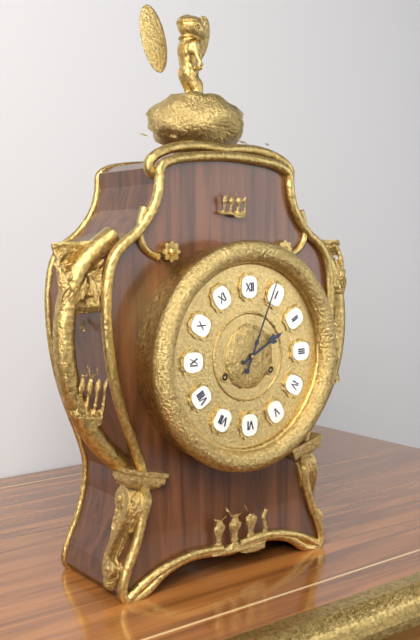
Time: {"hour": 2, "minute": 4}
